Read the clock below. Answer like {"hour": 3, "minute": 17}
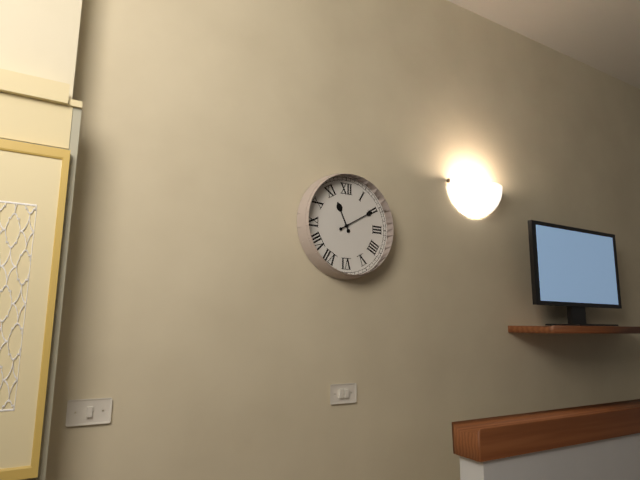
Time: {"hour": 11, "minute": 10}
